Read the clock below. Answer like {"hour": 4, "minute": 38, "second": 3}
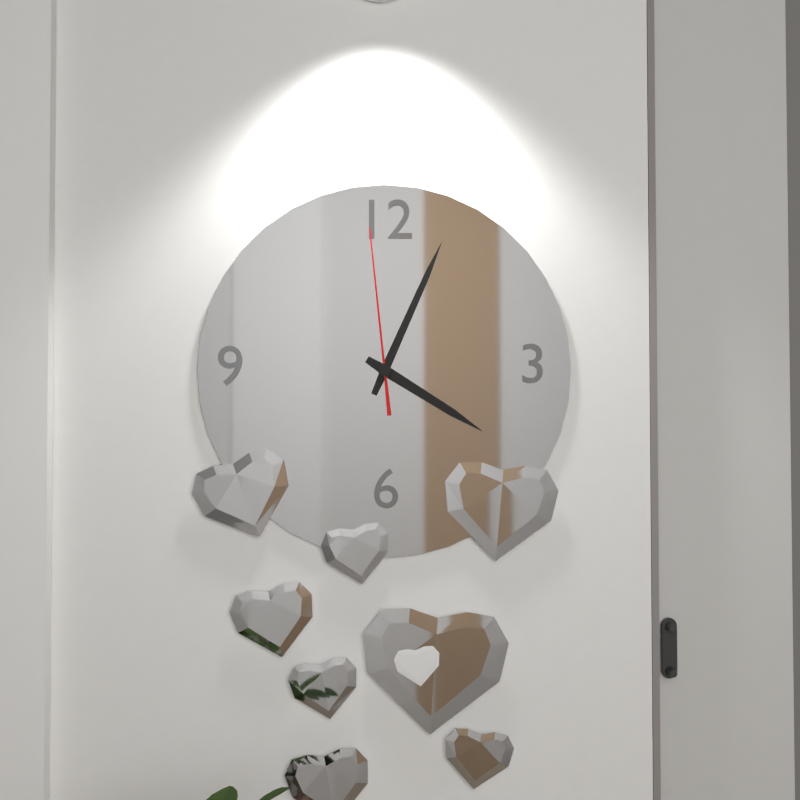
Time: {"hour": 4, "minute": 4, "second": 59}
